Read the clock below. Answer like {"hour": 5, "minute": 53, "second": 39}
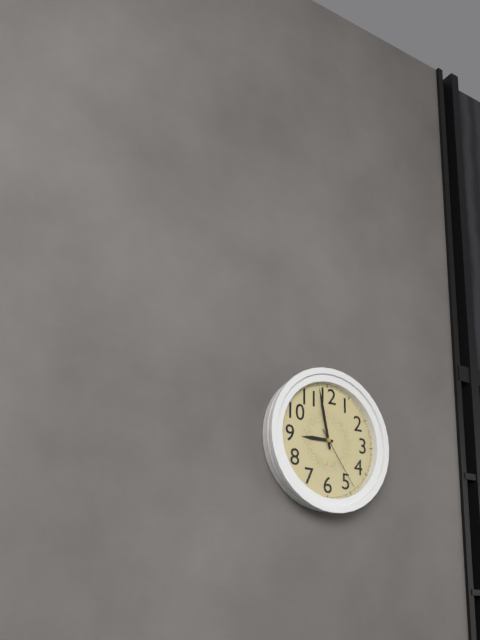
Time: {"hour": 8, "minute": 58, "second": 24}
